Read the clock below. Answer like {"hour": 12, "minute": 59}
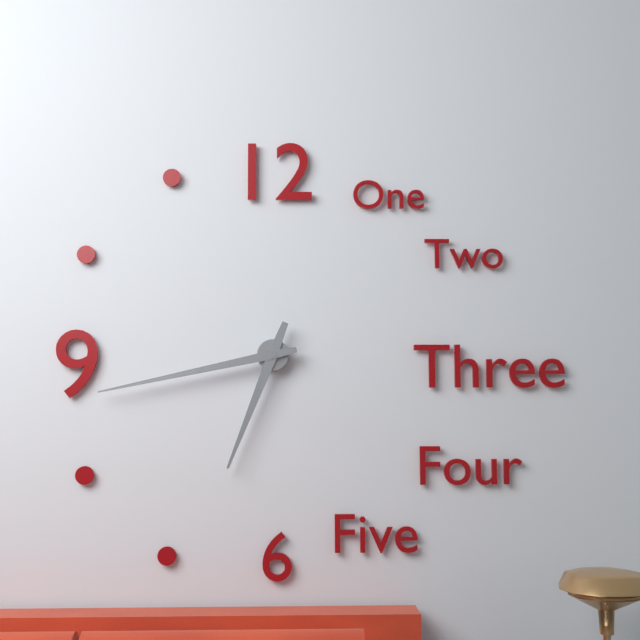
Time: {"hour": 6, "minute": 43}
